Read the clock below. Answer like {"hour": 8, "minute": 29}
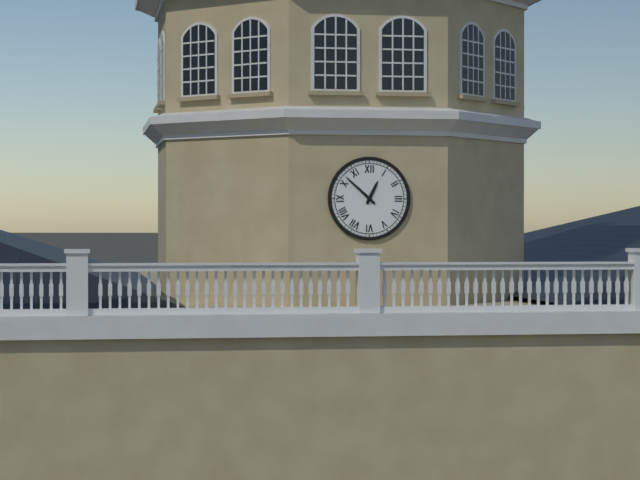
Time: {"hour": 12, "minute": 52}
